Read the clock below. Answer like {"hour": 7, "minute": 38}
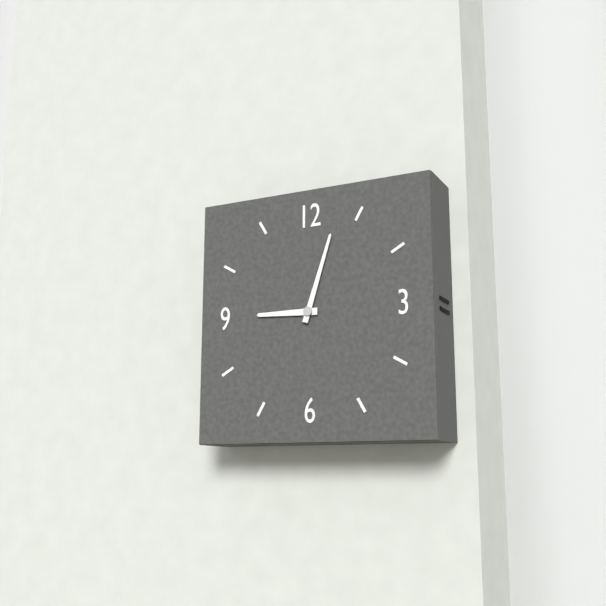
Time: {"hour": 9, "minute": 3}
